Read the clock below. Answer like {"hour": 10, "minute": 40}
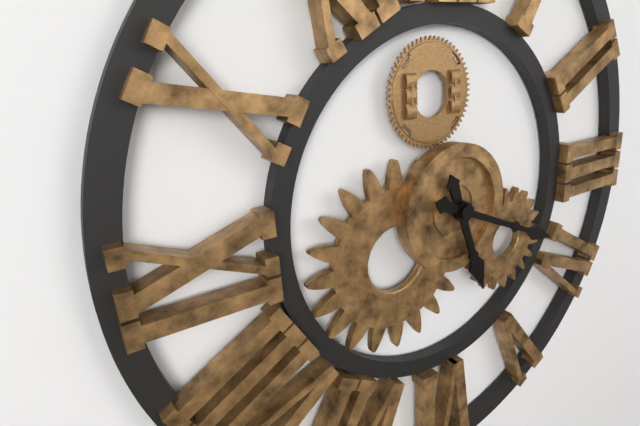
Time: {"hour": 5, "minute": 19}
